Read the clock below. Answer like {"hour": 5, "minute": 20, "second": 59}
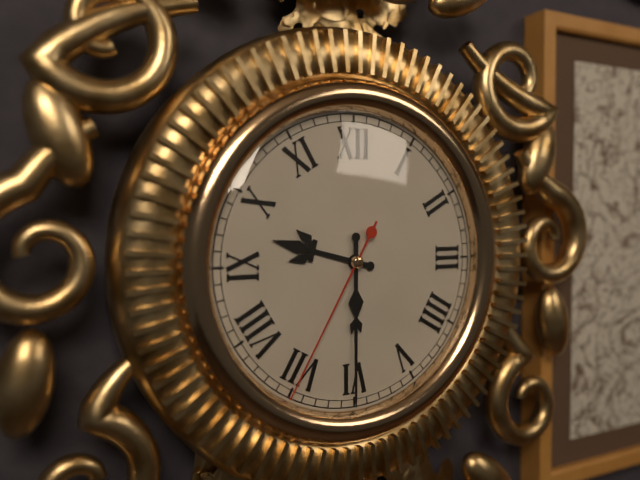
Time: {"hour": 9, "minute": 30, "second": 35}
